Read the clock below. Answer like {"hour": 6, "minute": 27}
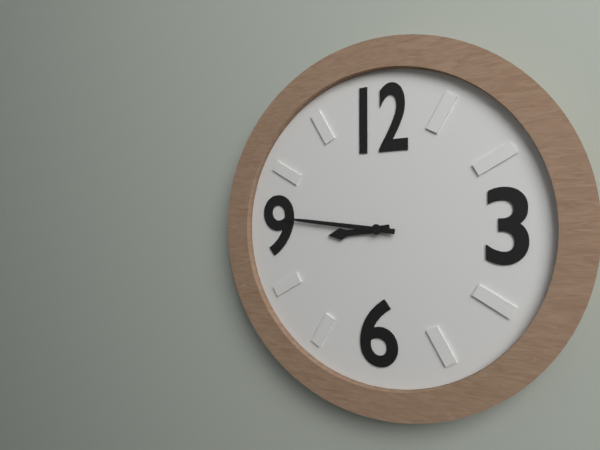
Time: {"hour": 8, "minute": 46}
